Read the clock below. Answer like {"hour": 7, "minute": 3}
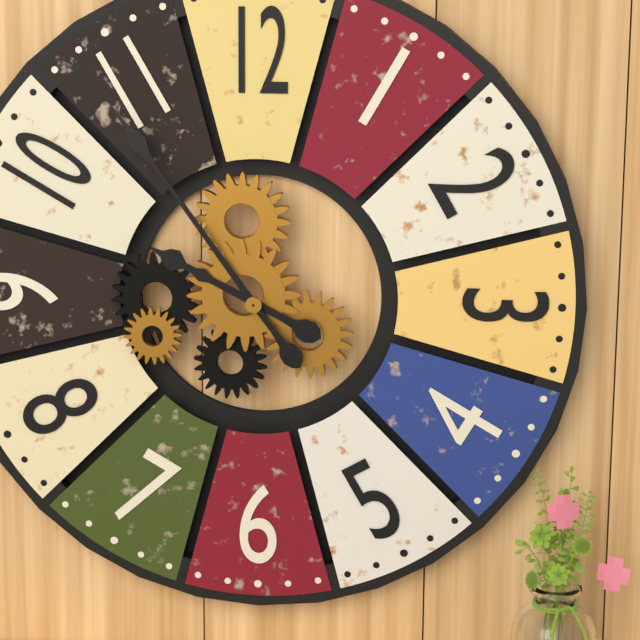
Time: {"hour": 9, "minute": 54}
